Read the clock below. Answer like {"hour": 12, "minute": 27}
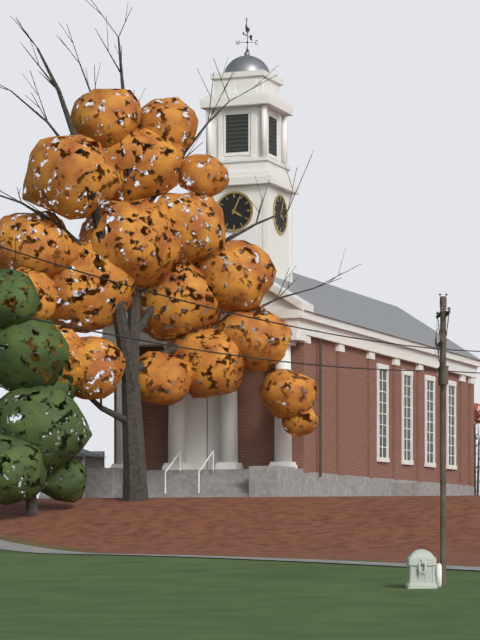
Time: {"hour": 4, "minute": 4}
